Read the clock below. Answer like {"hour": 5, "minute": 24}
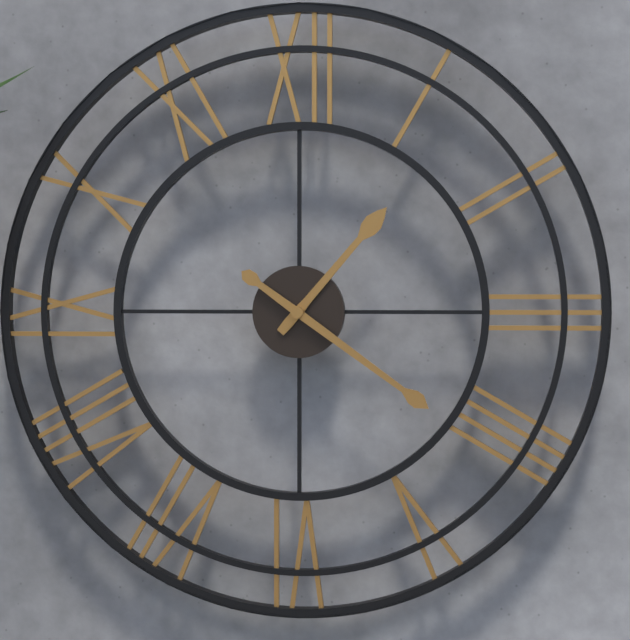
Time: {"hour": 1, "minute": 21}
